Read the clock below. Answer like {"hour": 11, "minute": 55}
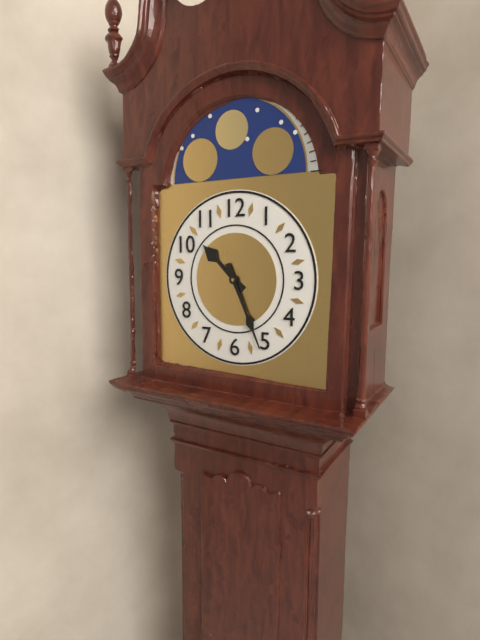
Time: {"hour": 10, "minute": 26}
